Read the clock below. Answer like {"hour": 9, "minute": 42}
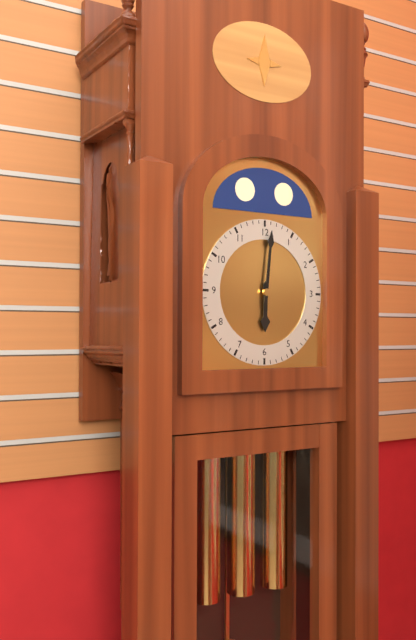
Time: {"hour": 6, "minute": 1}
